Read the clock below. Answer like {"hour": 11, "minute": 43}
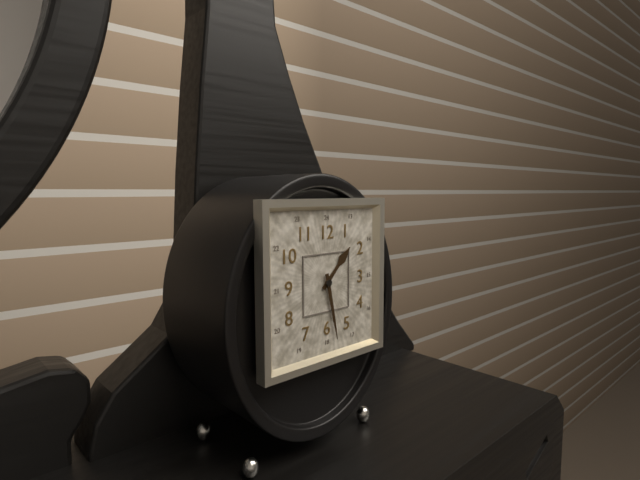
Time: {"hour": 1, "minute": 28}
